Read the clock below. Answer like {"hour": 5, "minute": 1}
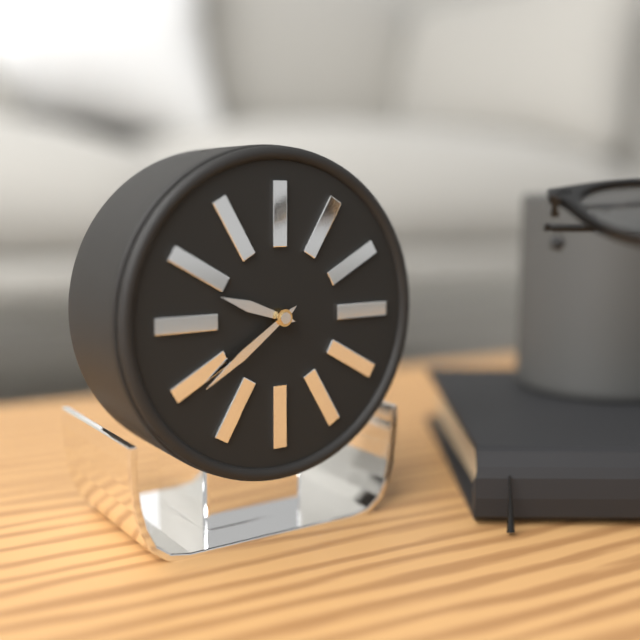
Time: {"hour": 9, "minute": 39}
